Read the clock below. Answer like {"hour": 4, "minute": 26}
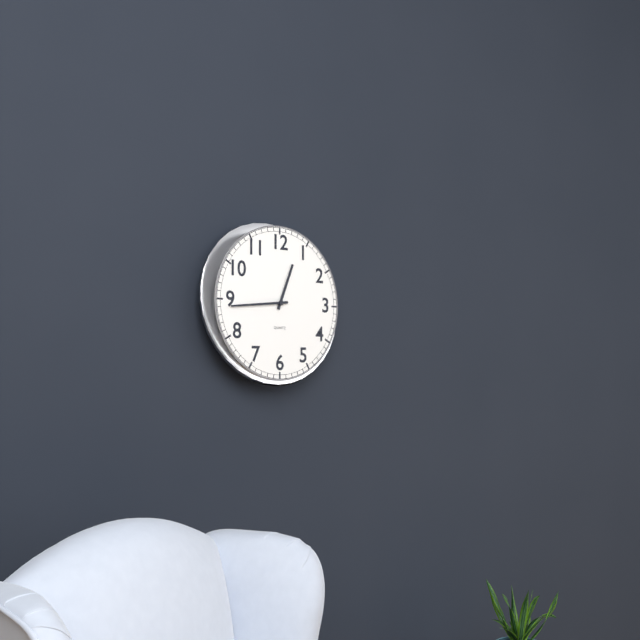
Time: {"hour": 12, "minute": 44}
